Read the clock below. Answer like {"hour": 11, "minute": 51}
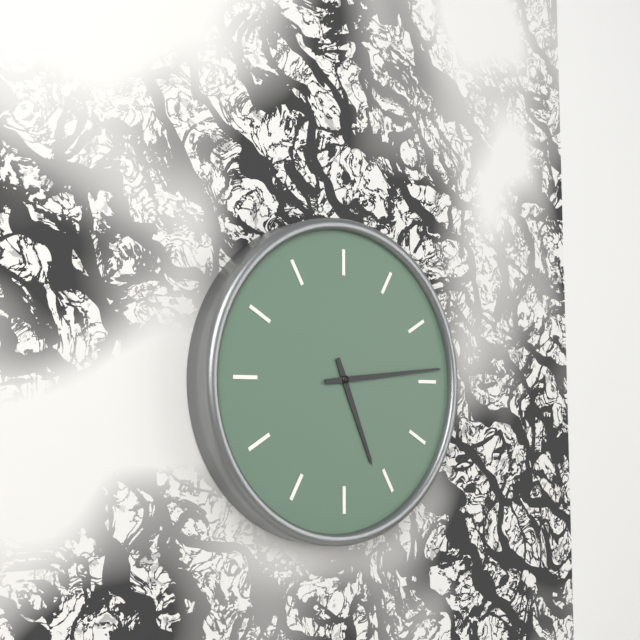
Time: {"hour": 5, "minute": 14}
